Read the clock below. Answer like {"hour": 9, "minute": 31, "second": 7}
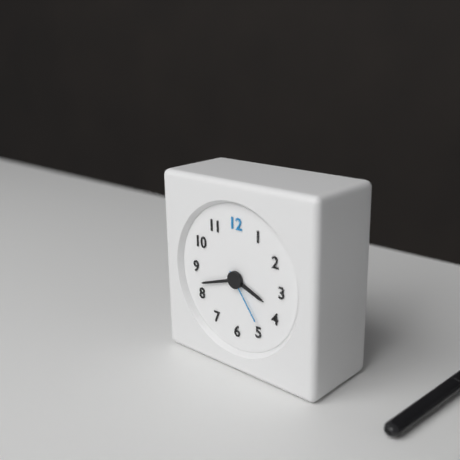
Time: {"hour": 3, "minute": 42, "second": 24}
